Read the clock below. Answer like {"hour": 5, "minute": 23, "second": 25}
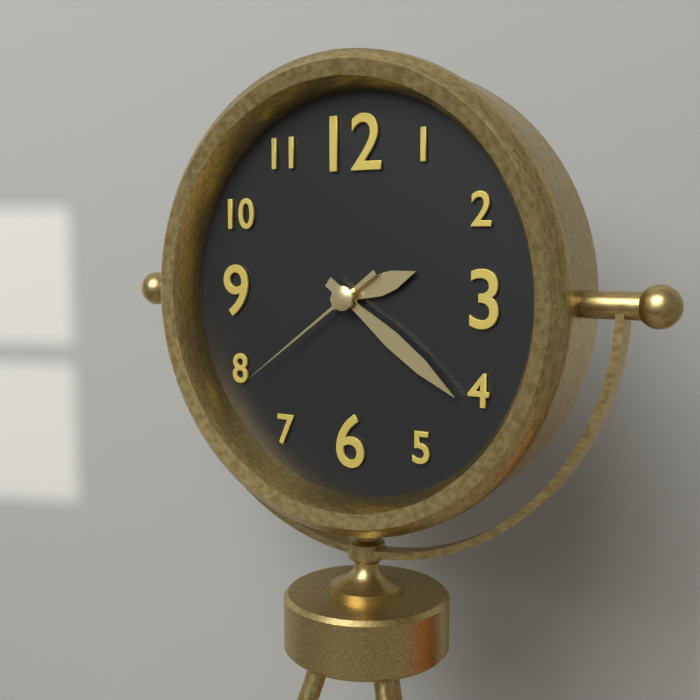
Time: {"hour": 2, "minute": 21, "second": 39}
